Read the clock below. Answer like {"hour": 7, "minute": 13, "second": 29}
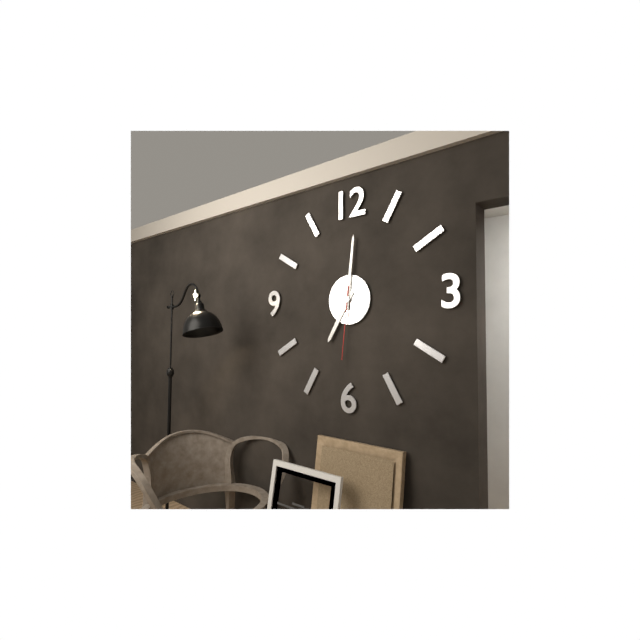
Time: {"hour": 7, "minute": 1, "second": 31}
